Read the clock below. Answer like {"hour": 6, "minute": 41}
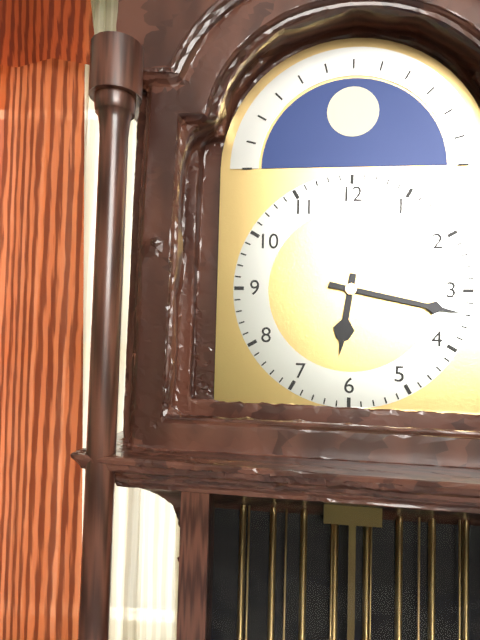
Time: {"hour": 6, "minute": 17}
